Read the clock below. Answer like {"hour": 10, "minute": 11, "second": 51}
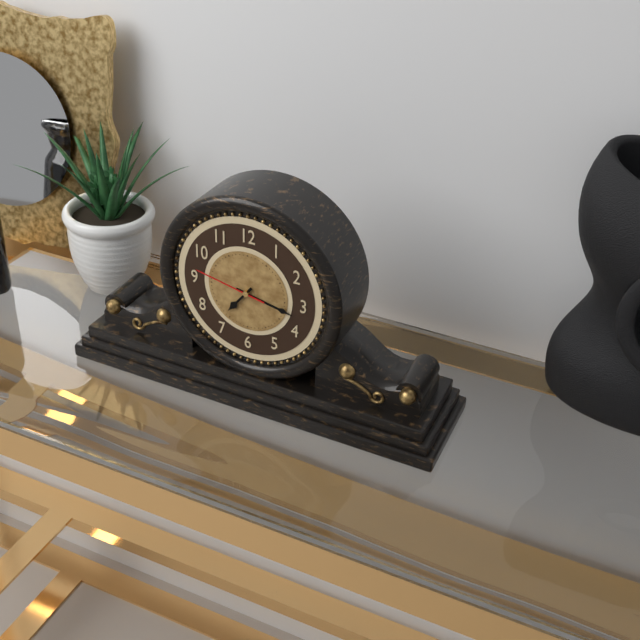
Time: {"hour": 7, "minute": 17, "second": 47}
